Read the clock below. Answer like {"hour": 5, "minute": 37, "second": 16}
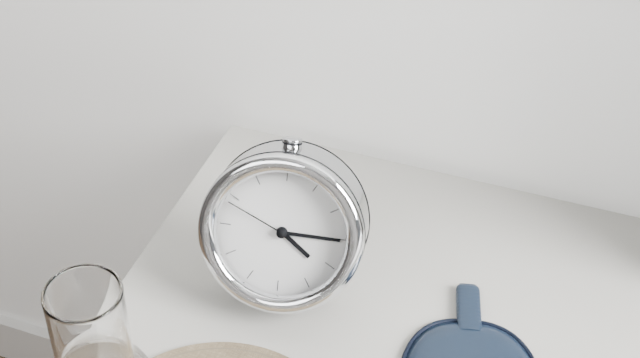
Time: {"hour": 4, "minute": 15, "second": 49}
